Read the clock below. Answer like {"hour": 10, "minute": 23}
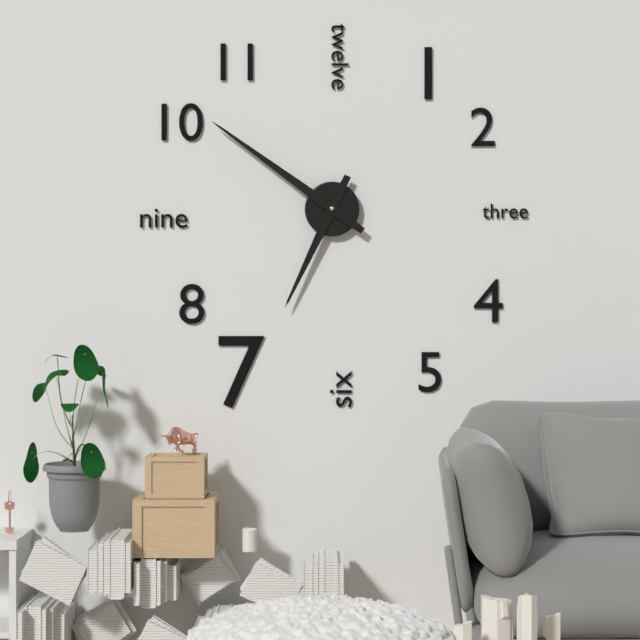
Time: {"hour": 6, "minute": 51}
